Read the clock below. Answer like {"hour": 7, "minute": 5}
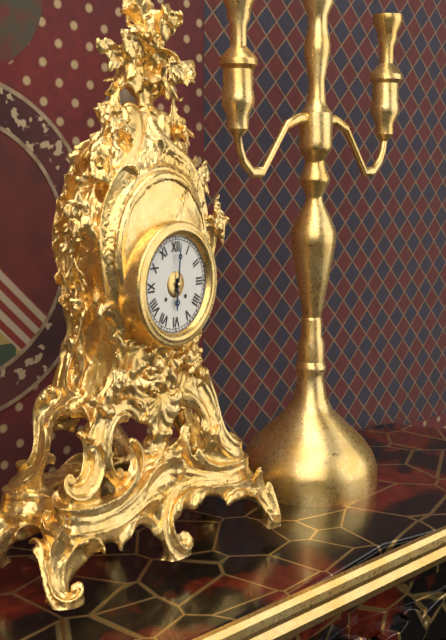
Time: {"hour": 6, "minute": 1}
